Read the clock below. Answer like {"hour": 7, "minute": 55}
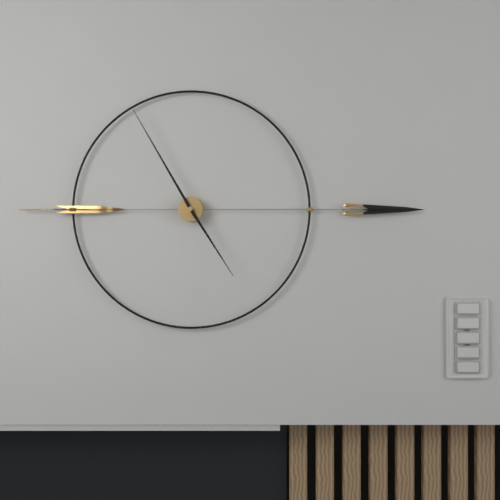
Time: {"hour": 4, "minute": 55}
